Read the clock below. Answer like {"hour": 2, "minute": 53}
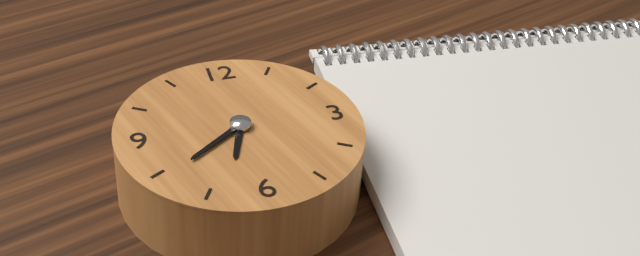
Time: {"hour": 6, "minute": 39}
